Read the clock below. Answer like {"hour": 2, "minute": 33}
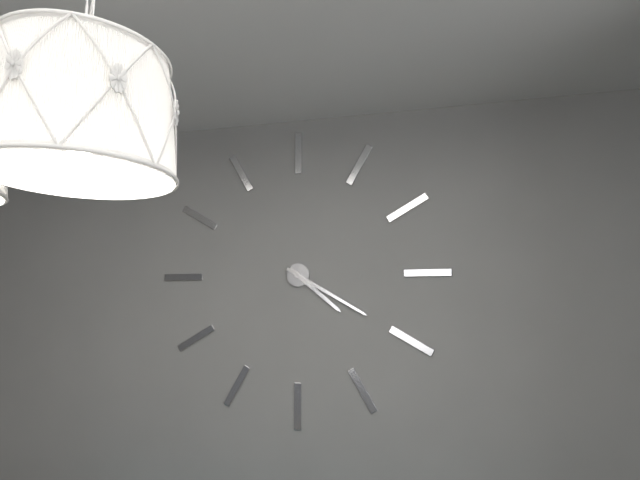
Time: {"hour": 4, "minute": 20}
